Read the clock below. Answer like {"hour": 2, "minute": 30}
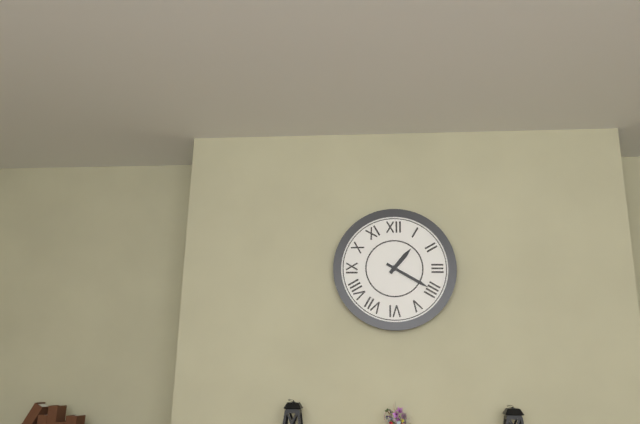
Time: {"hour": 1, "minute": 20}
